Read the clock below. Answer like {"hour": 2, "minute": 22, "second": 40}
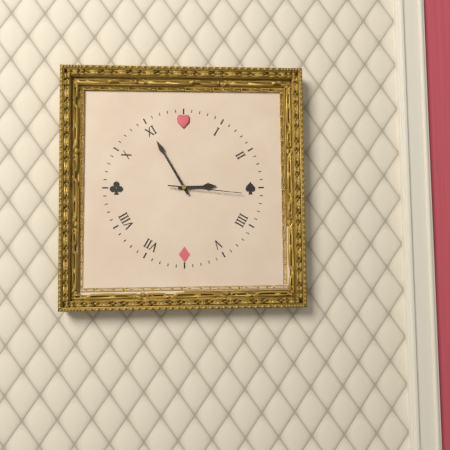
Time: {"hour": 2, "minute": 55, "second": 16}
